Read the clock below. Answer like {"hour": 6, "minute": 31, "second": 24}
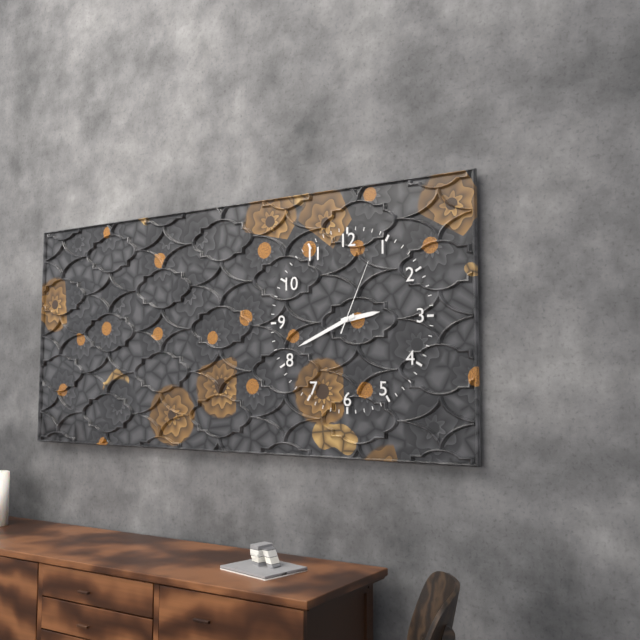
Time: {"hour": 2, "minute": 41, "second": 4}
